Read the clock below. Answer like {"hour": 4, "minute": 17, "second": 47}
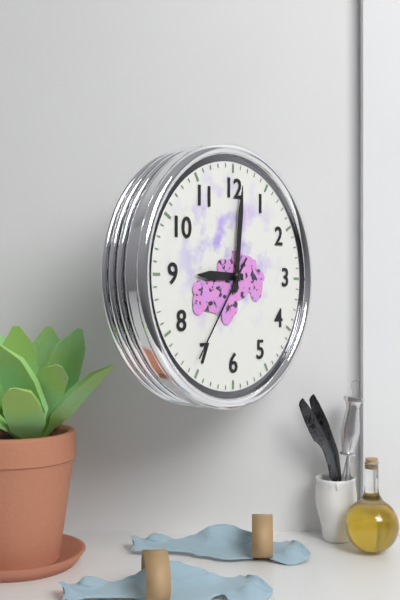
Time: {"hour": 9, "minute": 1, "second": 36}
